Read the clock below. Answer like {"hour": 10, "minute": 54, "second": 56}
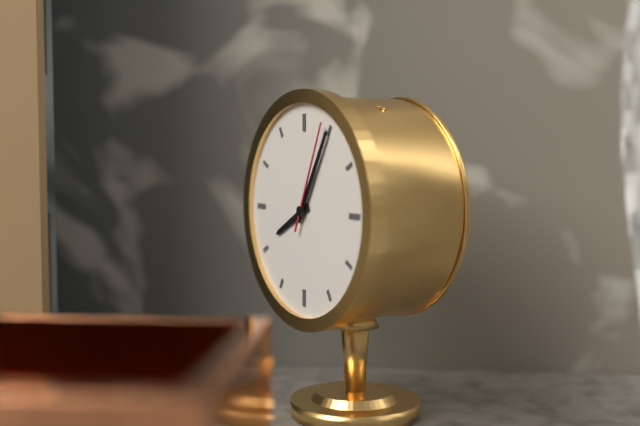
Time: {"hour": 8, "minute": 5, "second": 4}
